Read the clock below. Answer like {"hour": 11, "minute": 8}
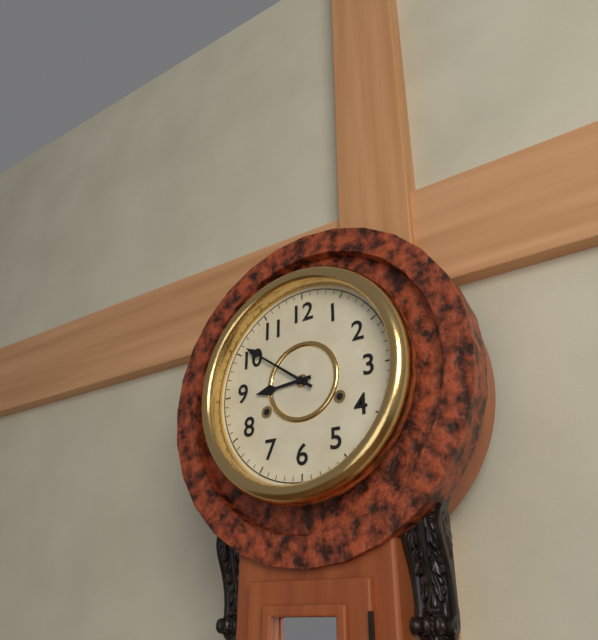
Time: {"hour": 8, "minute": 51}
